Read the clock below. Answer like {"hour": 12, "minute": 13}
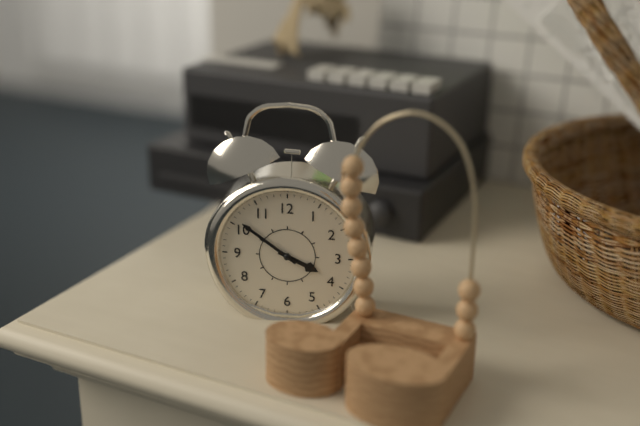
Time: {"hour": 3, "minute": 51}
